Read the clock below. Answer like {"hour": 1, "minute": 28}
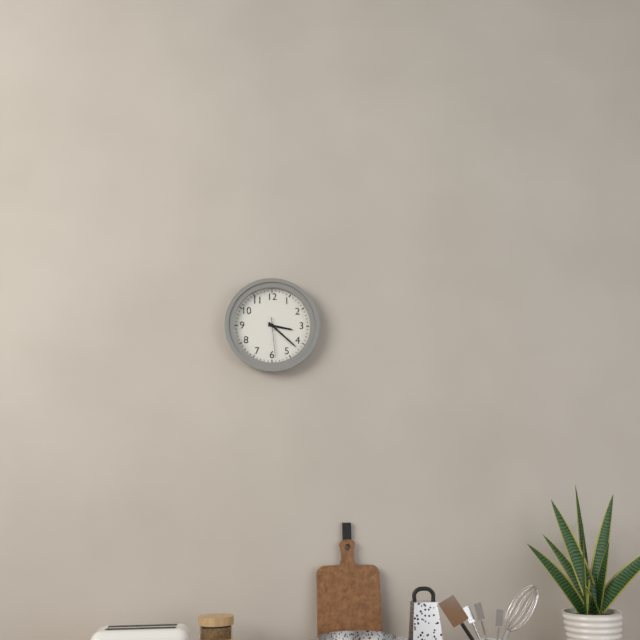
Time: {"hour": 3, "minute": 22}
